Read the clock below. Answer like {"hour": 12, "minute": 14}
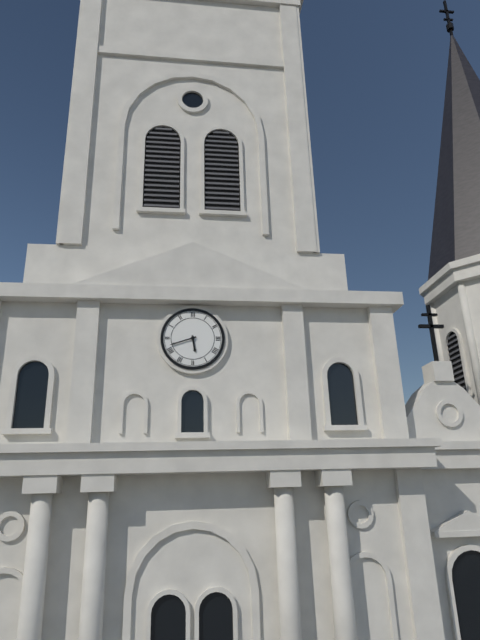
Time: {"hour": 5, "minute": 42}
